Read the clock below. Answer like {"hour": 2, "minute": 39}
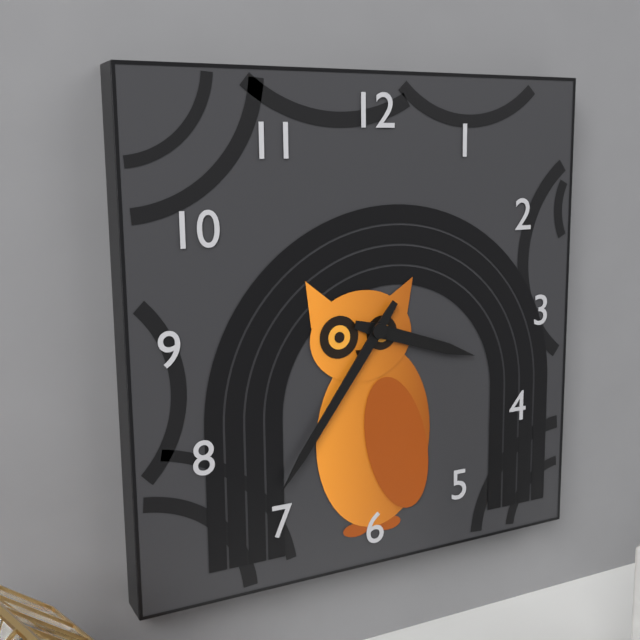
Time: {"hour": 3, "minute": 36}
